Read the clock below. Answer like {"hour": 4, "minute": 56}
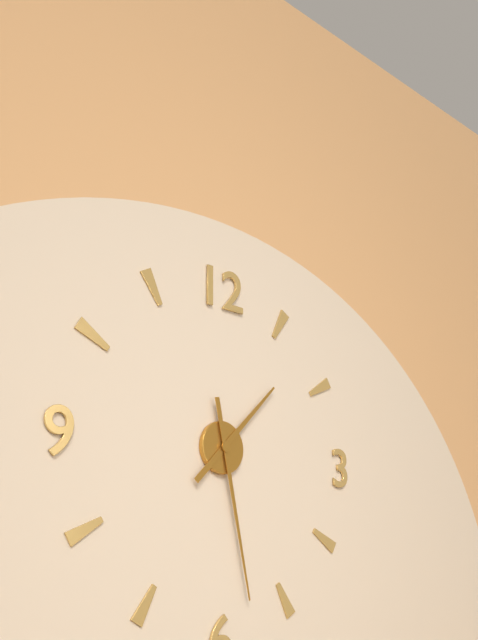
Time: {"hour": 1, "minute": 28}
